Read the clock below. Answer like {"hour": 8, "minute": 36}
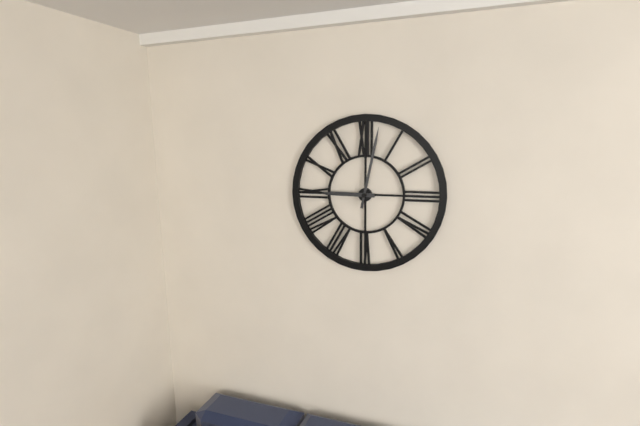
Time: {"hour": 9, "minute": 2}
